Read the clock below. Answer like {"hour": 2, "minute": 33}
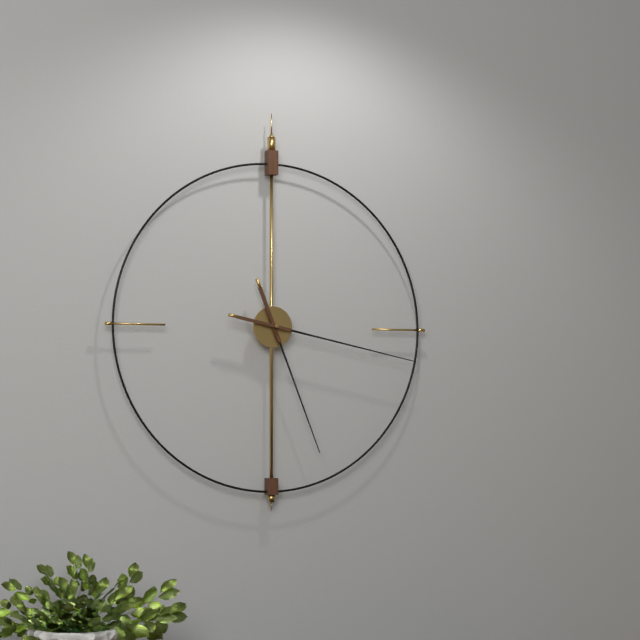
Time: {"hour": 5, "minute": 17}
